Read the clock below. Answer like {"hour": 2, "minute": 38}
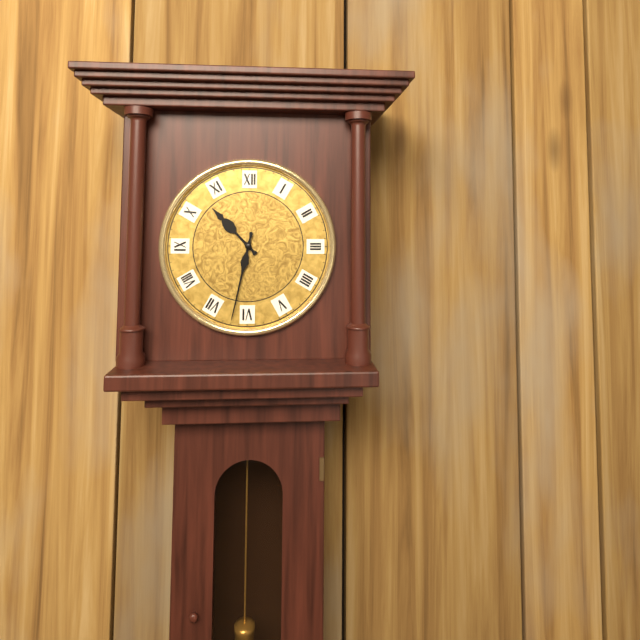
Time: {"hour": 10, "minute": 32}
